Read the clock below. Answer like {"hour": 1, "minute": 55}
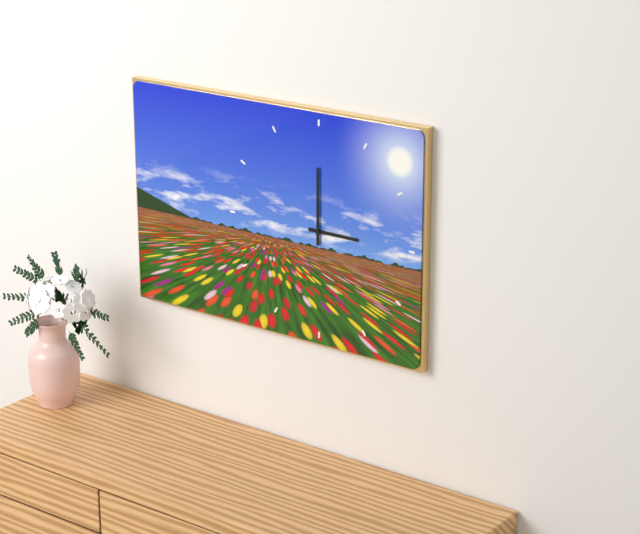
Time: {"hour": 3, "minute": 0}
